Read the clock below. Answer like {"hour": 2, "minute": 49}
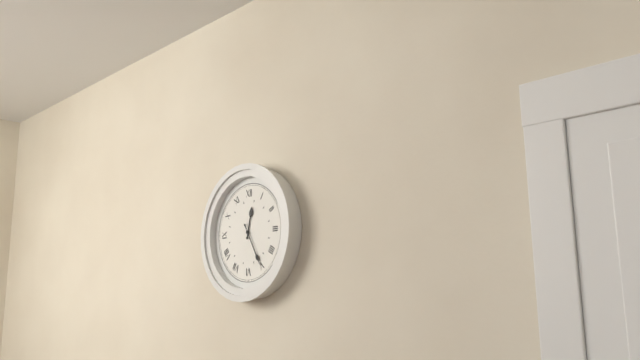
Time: {"hour": 12, "minute": 25}
